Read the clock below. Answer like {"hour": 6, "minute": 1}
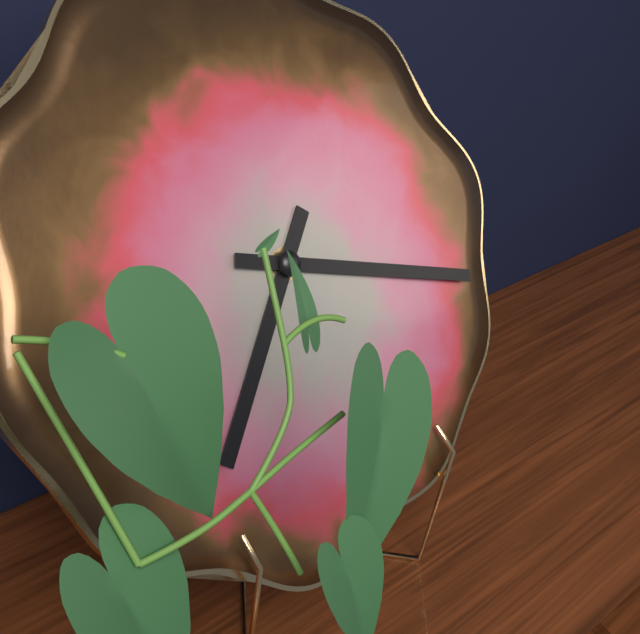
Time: {"hour": 7, "minute": 18}
